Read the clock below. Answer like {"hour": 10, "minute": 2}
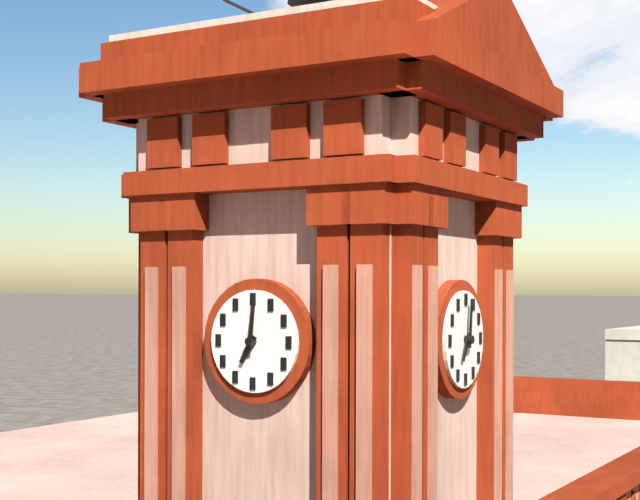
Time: {"hour": 7, "minute": 1}
